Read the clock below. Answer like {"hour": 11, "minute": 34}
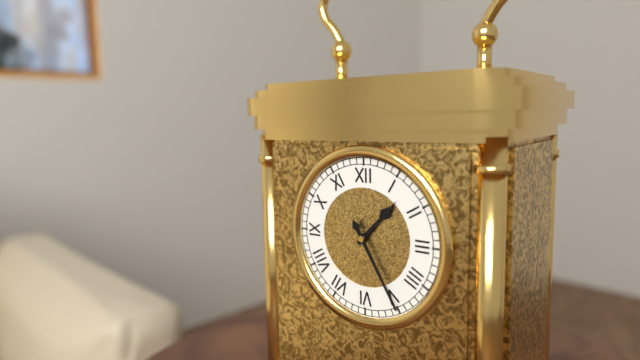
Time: {"hour": 1, "minute": 25}
